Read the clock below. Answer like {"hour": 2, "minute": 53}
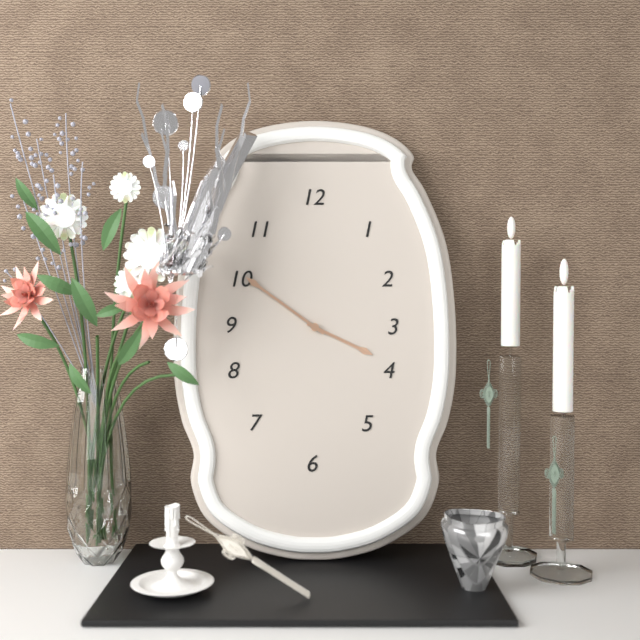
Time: {"hour": 3, "minute": 51}
